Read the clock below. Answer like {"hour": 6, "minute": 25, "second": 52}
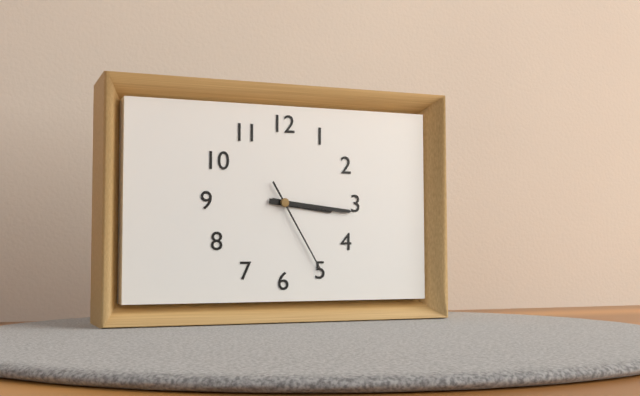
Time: {"hour": 3, "minute": 16, "second": 25}
